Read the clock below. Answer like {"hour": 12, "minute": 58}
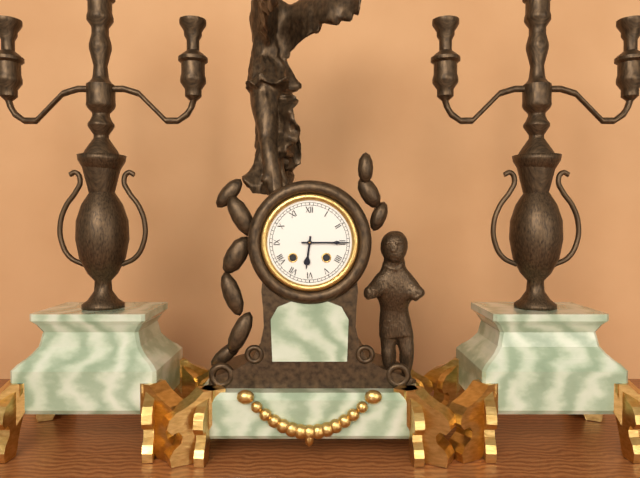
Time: {"hour": 6, "minute": 15}
